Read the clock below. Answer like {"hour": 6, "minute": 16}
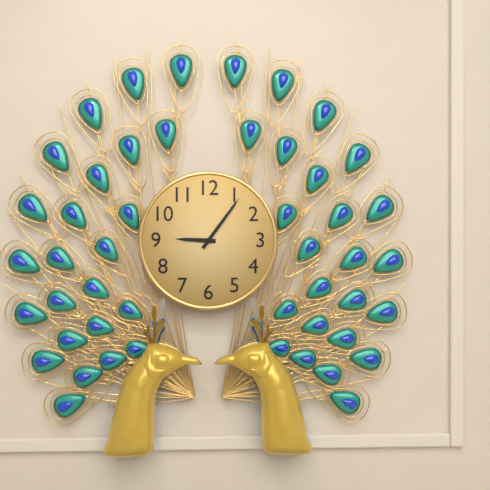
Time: {"hour": 9, "minute": 6}
